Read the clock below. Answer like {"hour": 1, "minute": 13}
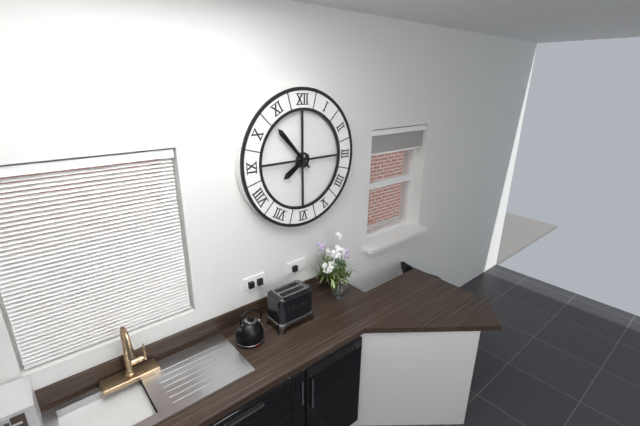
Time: {"hour": 7, "minute": 53}
